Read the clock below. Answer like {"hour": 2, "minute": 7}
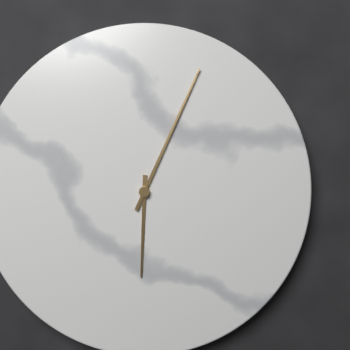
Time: {"hour": 6, "minute": 4}
